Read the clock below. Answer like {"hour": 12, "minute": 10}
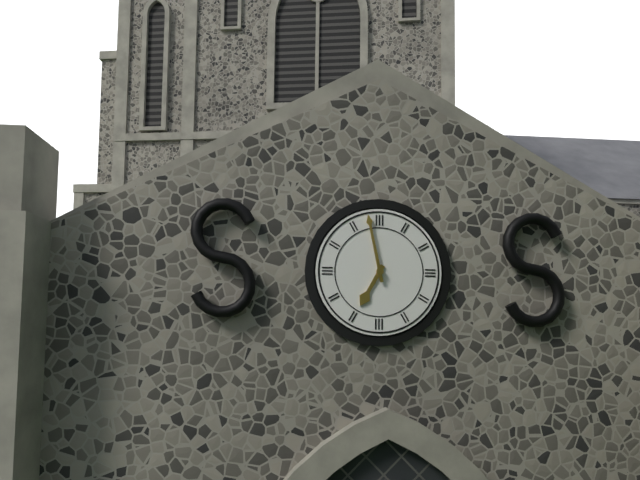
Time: {"hour": 6, "minute": 58}
